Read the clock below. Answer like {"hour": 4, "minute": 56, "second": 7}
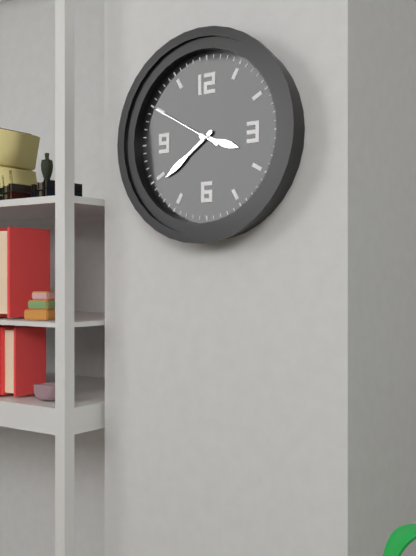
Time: {"hour": 3, "minute": 39, "second": 50}
